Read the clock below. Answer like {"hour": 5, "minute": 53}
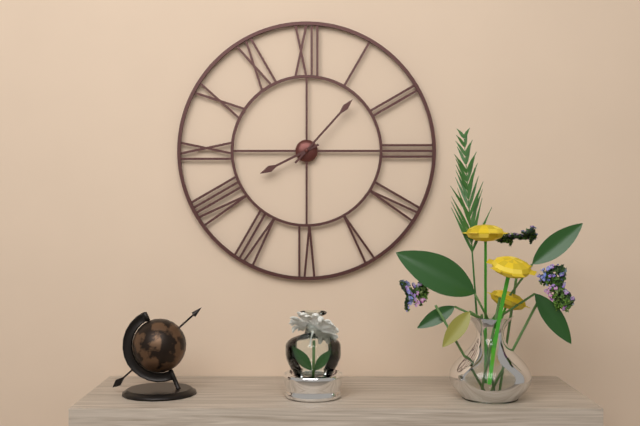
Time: {"hour": 8, "minute": 7}
